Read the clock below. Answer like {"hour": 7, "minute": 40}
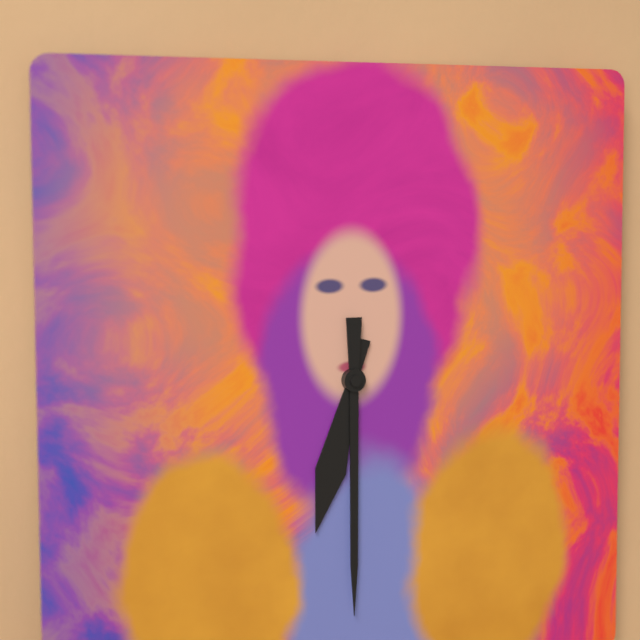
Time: {"hour": 6, "minute": 30}
